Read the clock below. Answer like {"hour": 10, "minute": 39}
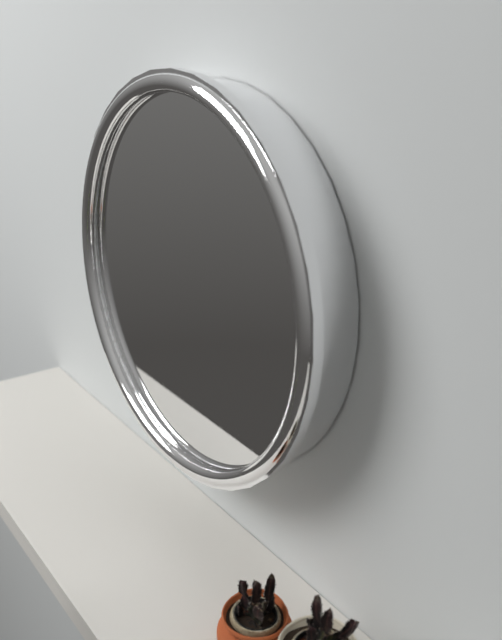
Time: {"hour": 2, "minute": 45}
